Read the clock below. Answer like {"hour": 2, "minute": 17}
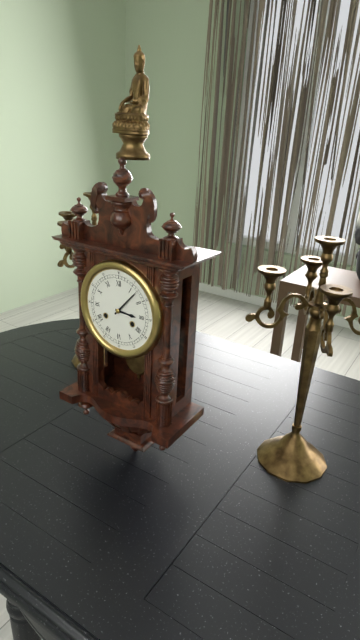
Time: {"hour": 3, "minute": 7}
